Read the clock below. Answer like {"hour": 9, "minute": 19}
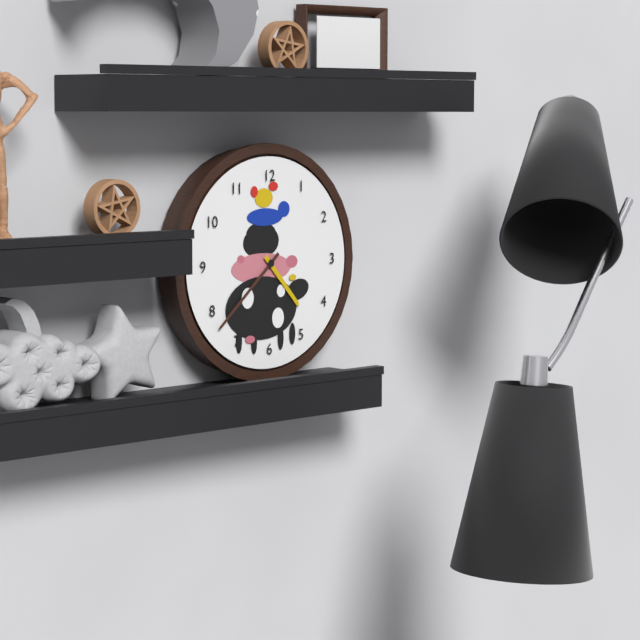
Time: {"hour": 4, "minute": 38}
